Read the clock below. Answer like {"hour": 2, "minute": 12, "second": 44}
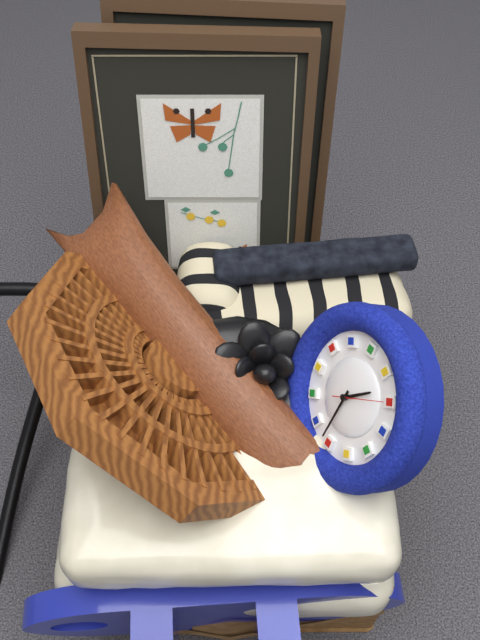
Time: {"hour": 2, "minute": 36, "second": 15}
